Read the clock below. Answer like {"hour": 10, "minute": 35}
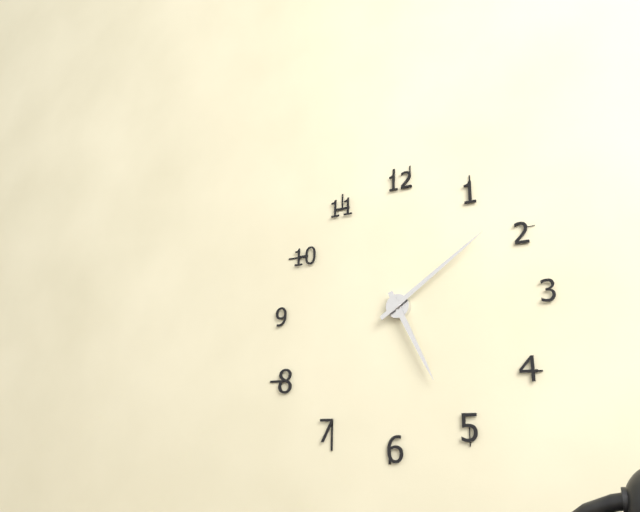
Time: {"hour": 5, "minute": 9}
